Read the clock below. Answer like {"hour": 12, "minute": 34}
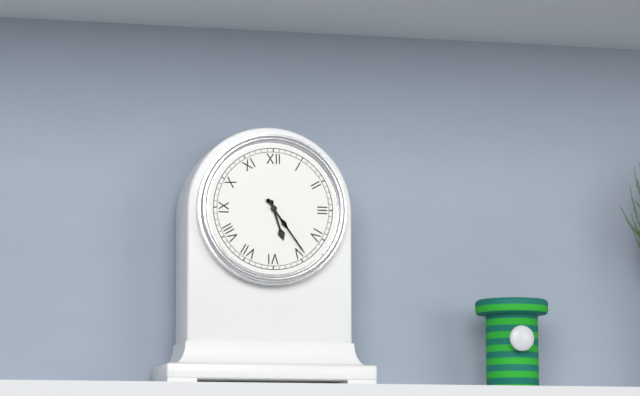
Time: {"hour": 5, "minute": 24}
